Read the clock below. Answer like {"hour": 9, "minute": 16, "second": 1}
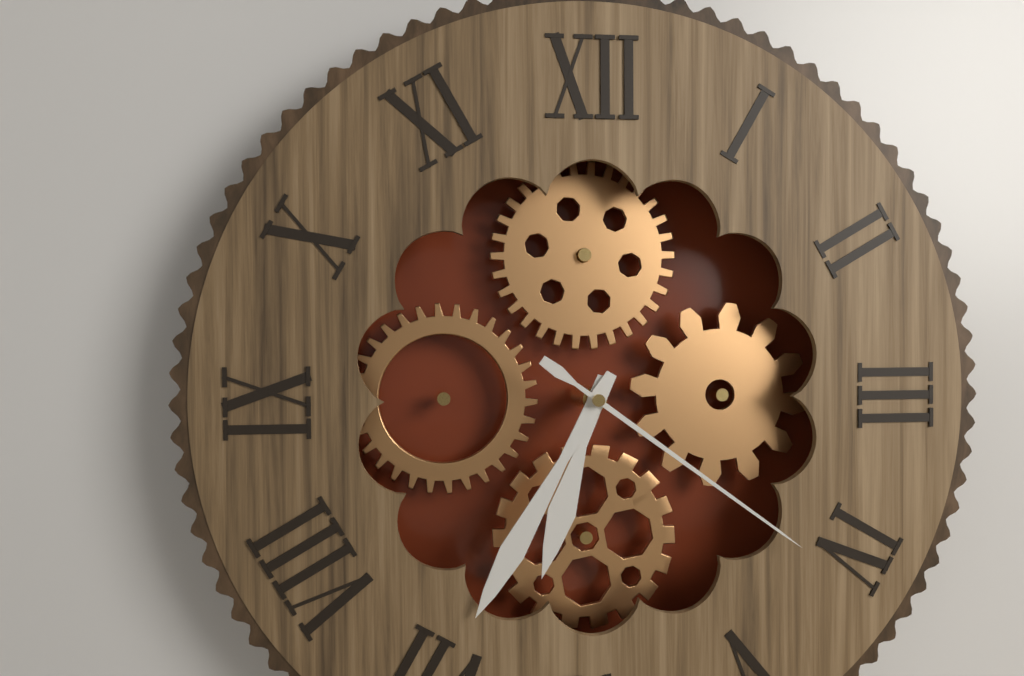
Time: {"hour": 6, "minute": 35, "second": 21}
